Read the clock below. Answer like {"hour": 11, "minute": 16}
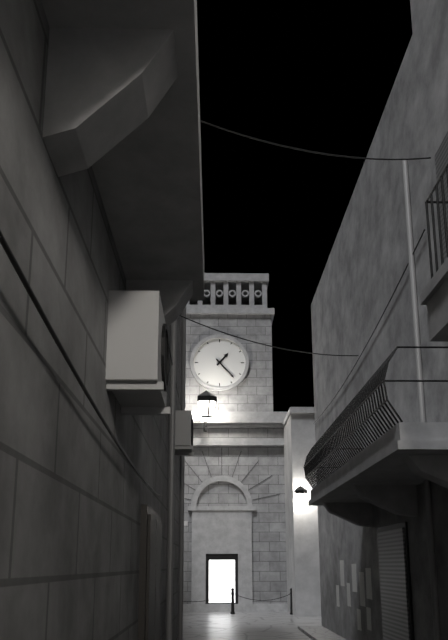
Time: {"hour": 1, "minute": 23}
